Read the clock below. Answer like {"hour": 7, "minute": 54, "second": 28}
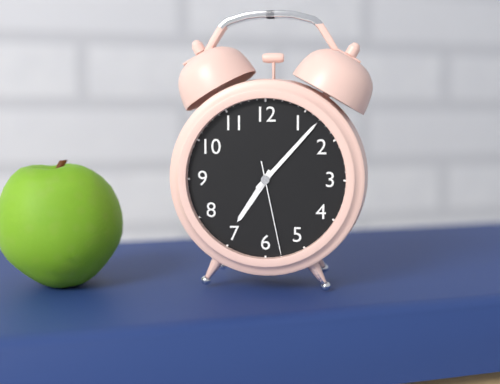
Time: {"hour": 7, "minute": 7, "second": 28}
